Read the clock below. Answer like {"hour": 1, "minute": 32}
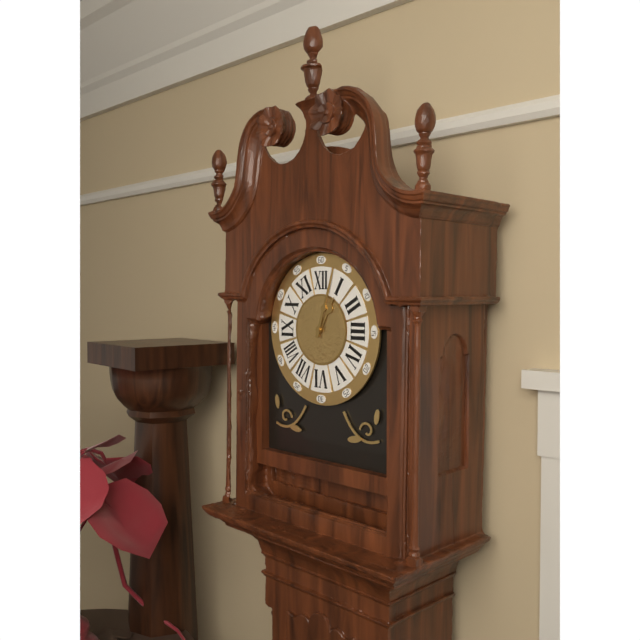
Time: {"hour": 1, "minute": 3}
